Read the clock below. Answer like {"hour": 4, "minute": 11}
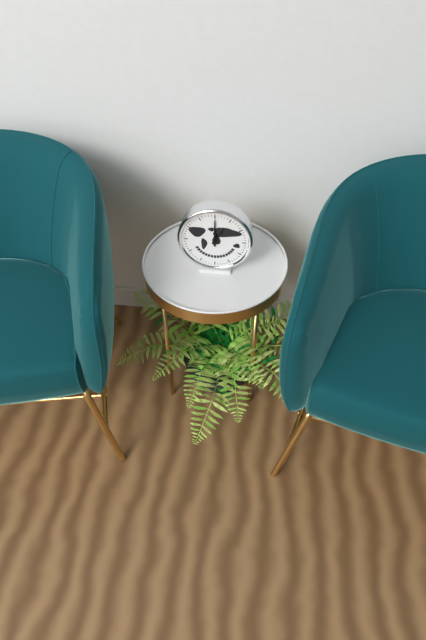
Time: {"hour": 1, "minute": 0}
